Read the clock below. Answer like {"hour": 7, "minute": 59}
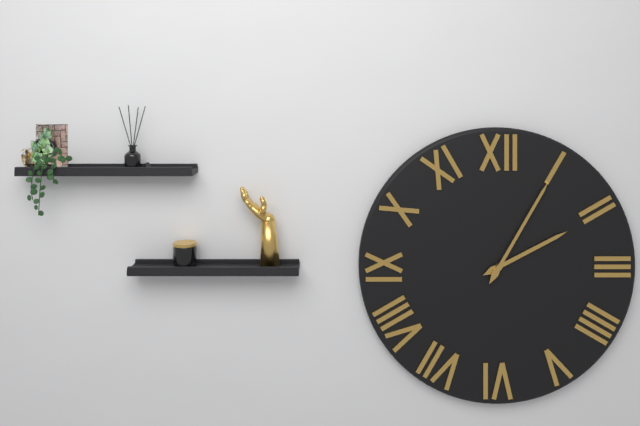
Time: {"hour": 2, "minute": 5}
